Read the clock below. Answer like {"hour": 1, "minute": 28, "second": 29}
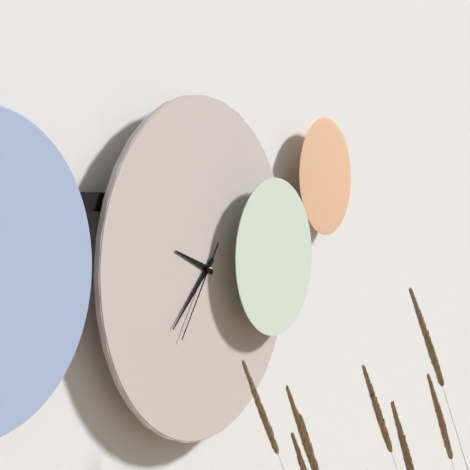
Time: {"hour": 9, "minute": 38, "second": 36}
